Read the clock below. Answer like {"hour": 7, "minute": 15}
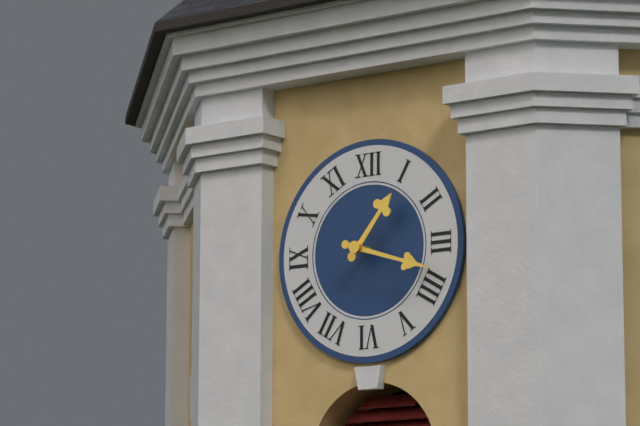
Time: {"hour": 1, "minute": 18}
